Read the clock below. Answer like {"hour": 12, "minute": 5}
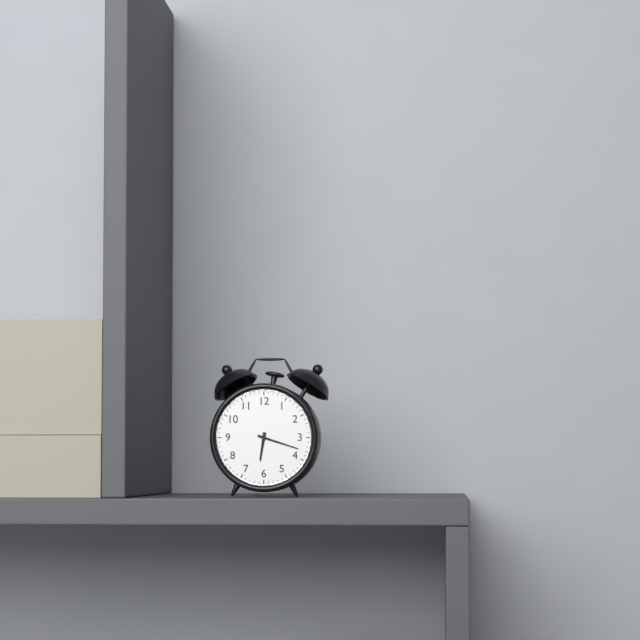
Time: {"hour": 6, "minute": 18}
